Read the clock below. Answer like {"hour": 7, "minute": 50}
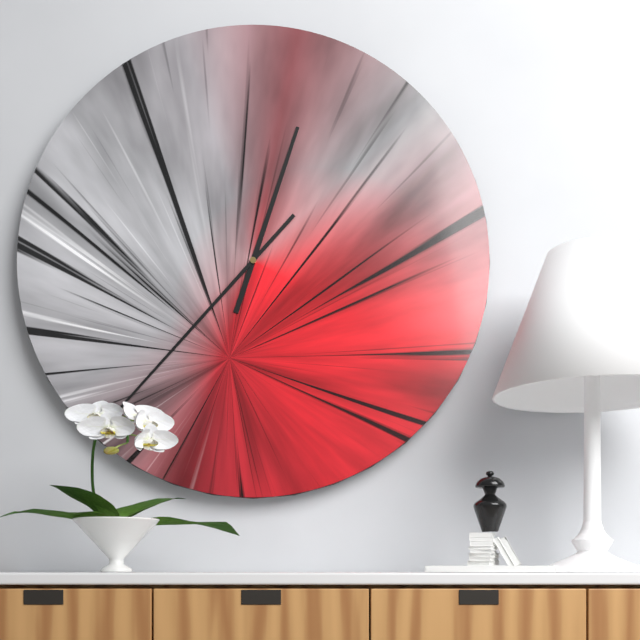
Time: {"hour": 12, "minute": 37}
